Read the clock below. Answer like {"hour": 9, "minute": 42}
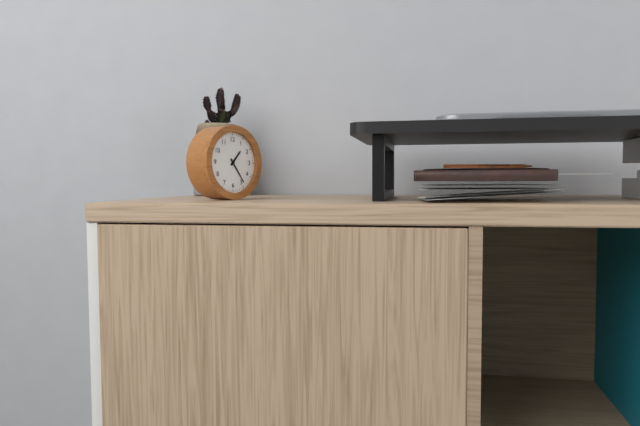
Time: {"hour": 1, "minute": 24}
